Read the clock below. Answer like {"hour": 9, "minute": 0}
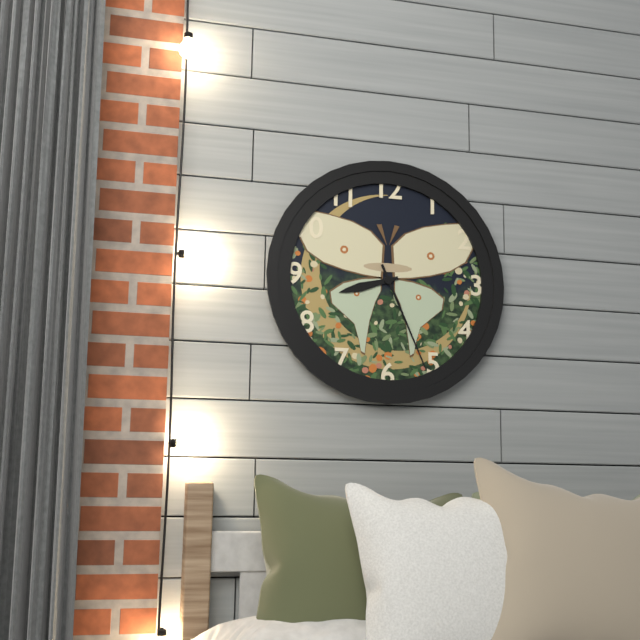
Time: {"hour": 8, "minute": 26}
